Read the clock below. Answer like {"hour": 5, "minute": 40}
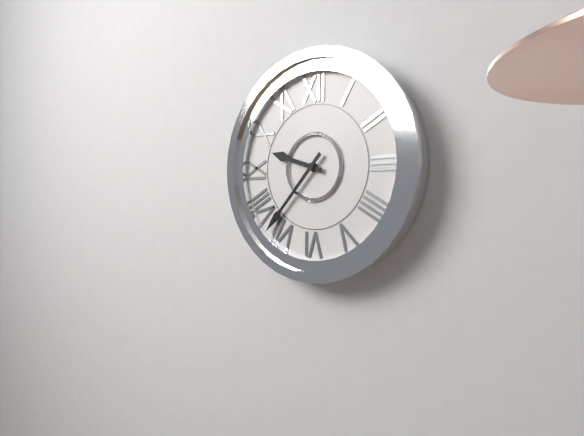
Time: {"hour": 9, "minute": 37}
